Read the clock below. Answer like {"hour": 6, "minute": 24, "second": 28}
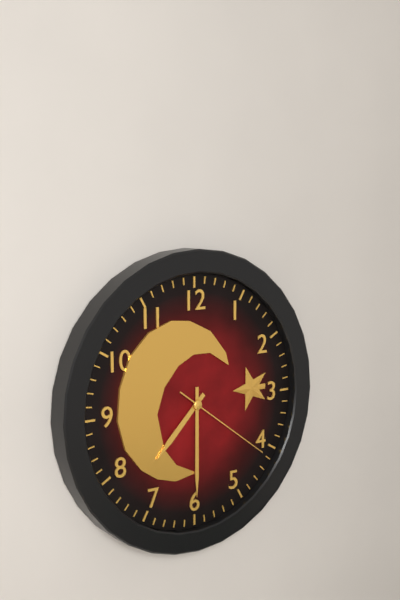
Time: {"hour": 7, "minute": 30, "second": 21}
